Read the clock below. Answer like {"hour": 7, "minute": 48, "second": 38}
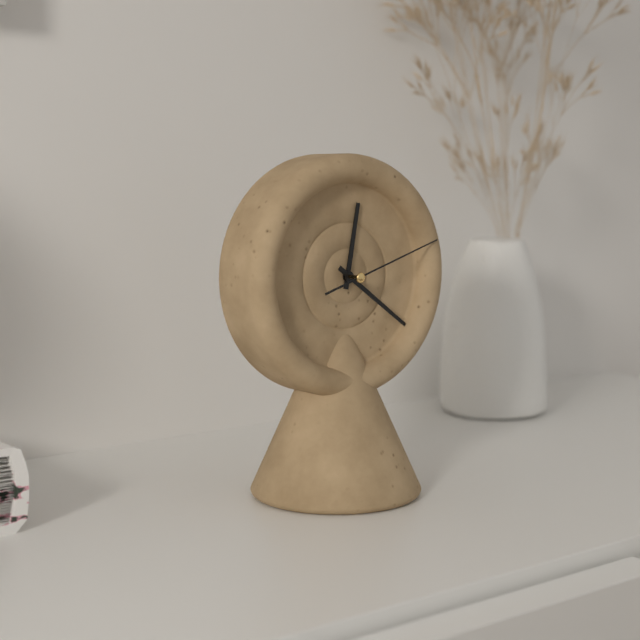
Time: {"hour": 12, "minute": 21, "second": 12}
